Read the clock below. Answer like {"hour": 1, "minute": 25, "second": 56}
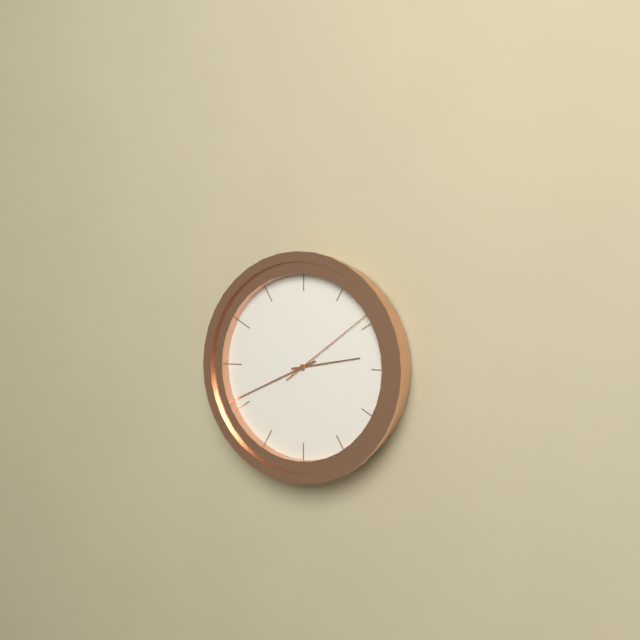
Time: {"hour": 2, "minute": 41, "second": 9}
